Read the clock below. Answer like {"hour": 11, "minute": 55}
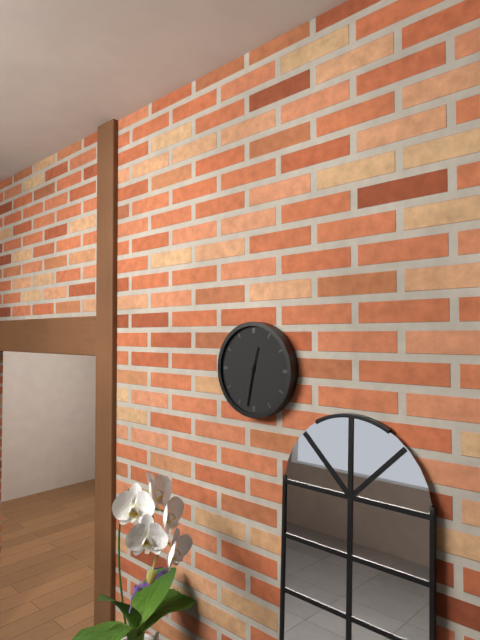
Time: {"hour": 12, "minute": 32}
